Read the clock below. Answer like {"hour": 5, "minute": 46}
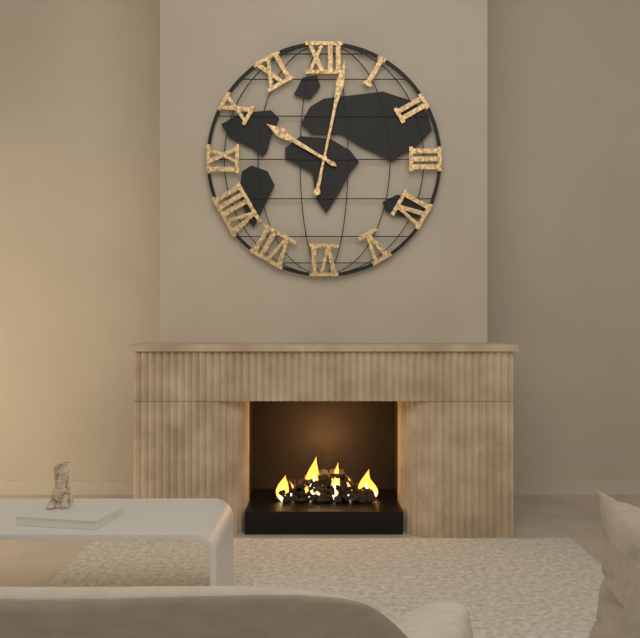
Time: {"hour": 10, "minute": 2}
